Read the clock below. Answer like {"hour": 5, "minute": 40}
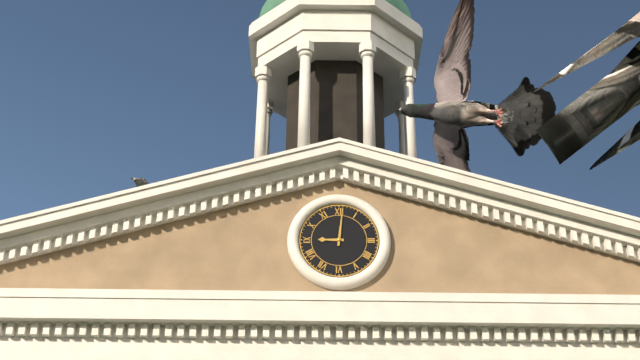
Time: {"hour": 9, "minute": 1}
